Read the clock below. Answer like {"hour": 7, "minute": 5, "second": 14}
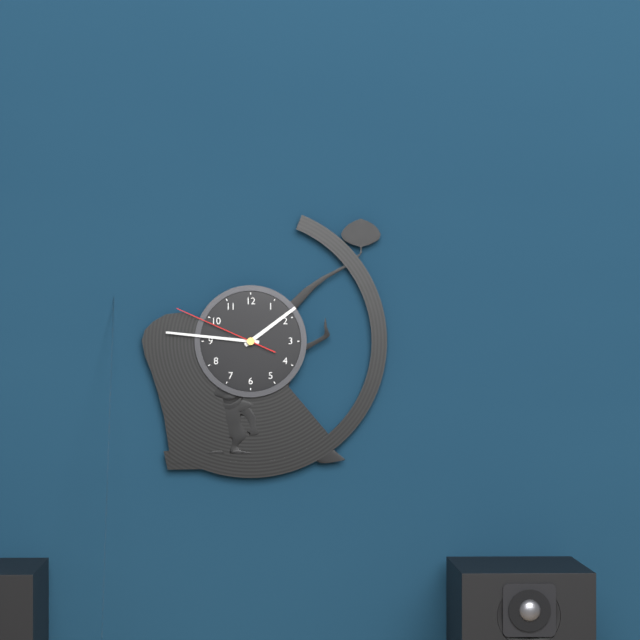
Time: {"hour": 1, "minute": 46, "second": 49}
